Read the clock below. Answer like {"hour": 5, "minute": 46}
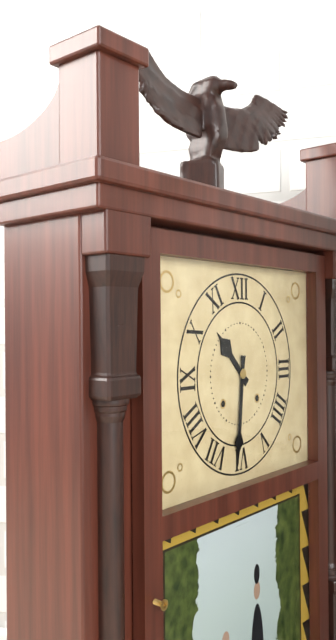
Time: {"hour": 10, "minute": 31}
